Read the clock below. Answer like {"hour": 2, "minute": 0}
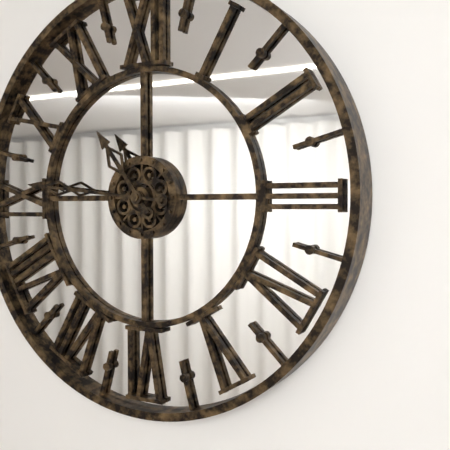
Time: {"hour": 10, "minute": 46}
